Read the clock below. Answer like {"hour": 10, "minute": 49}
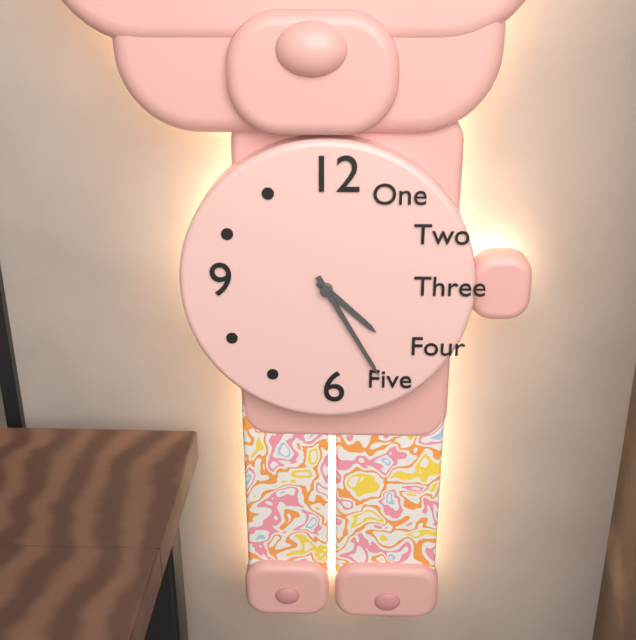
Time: {"hour": 4, "minute": 25}
